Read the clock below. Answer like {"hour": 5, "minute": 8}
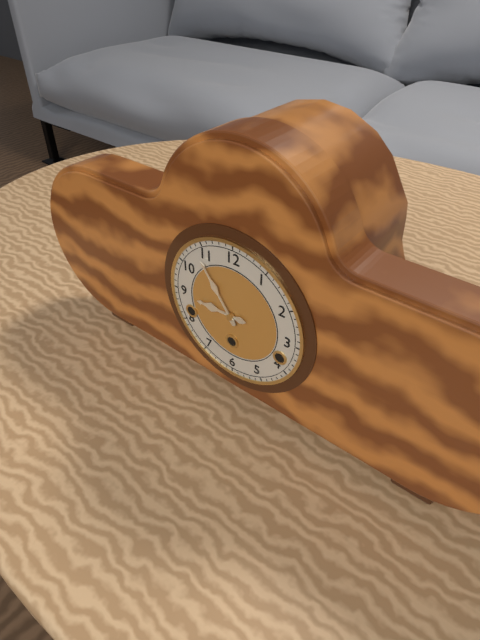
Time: {"hour": 8, "minute": 54}
